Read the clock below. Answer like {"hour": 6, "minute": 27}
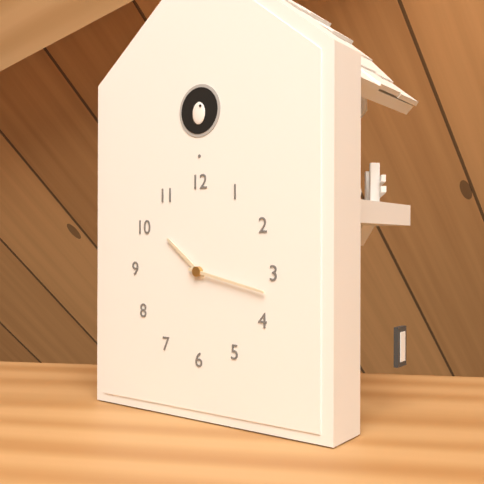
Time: {"hour": 10, "minute": 17}
